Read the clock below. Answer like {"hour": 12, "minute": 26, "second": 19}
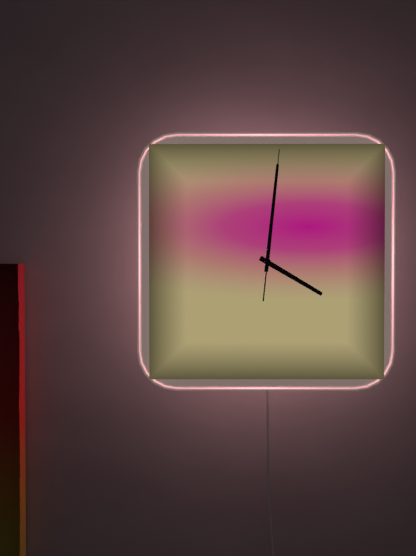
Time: {"hour": 4, "minute": 1, "second": 1}
